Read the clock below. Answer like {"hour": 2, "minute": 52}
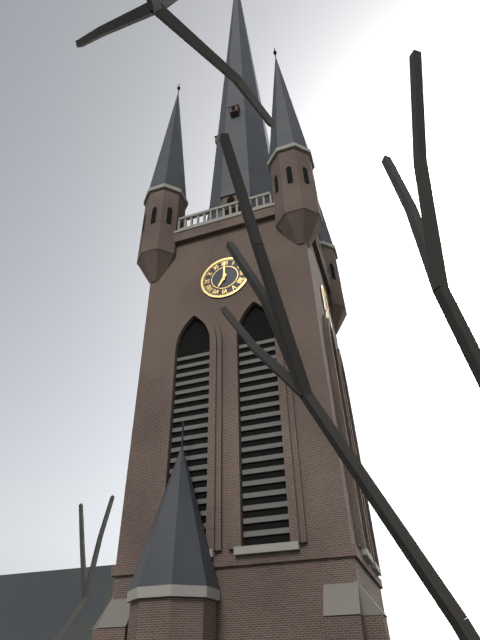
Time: {"hour": 7, "minute": 0}
